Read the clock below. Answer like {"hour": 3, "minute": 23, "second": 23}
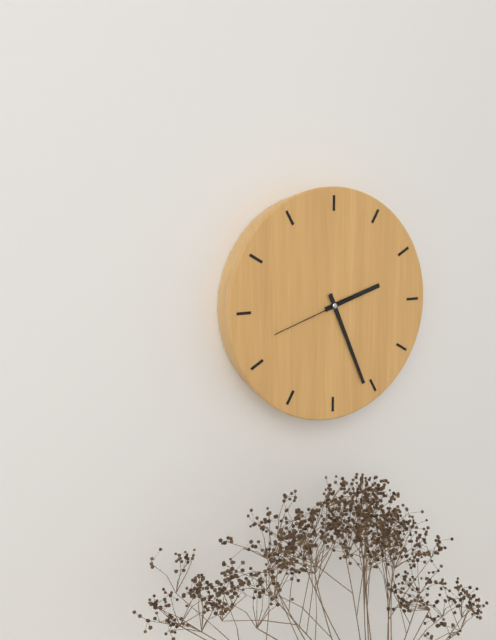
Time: {"hour": 2, "minute": 26, "second": 42}
